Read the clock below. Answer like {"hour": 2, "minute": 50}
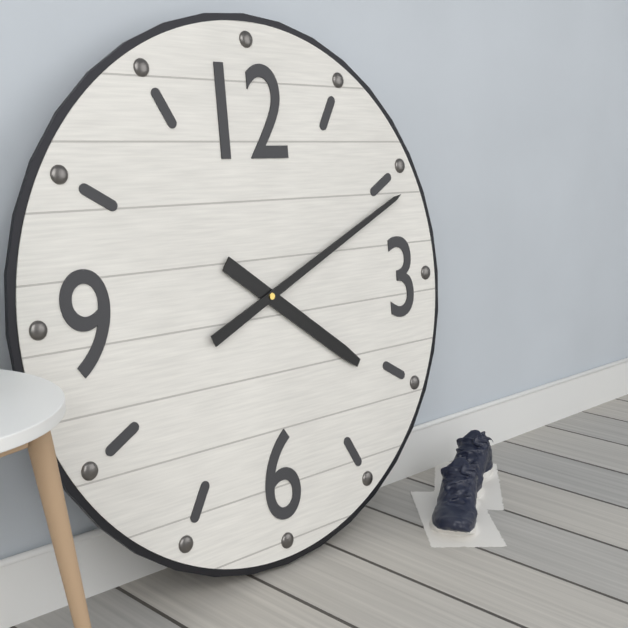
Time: {"hour": 4, "minute": 11}
